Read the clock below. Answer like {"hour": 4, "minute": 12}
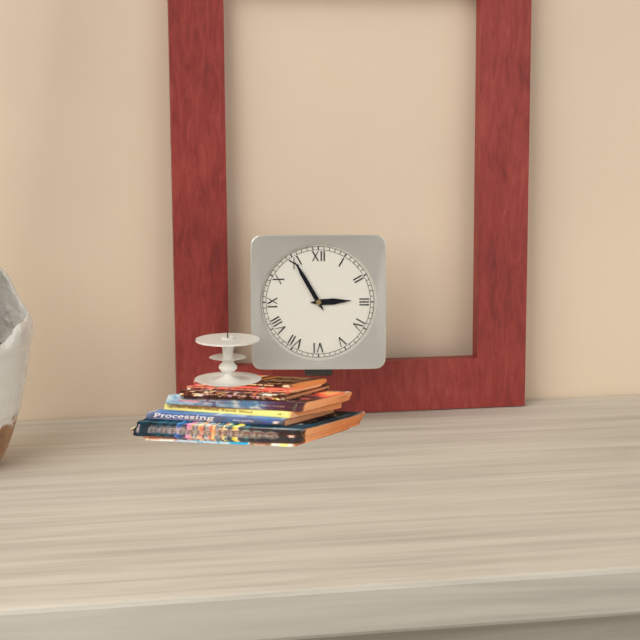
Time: {"hour": 2, "minute": 55}
